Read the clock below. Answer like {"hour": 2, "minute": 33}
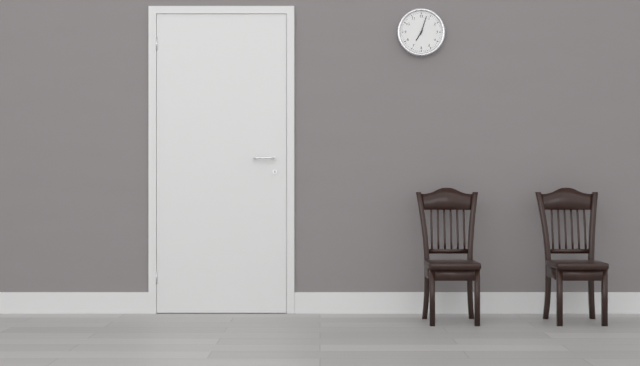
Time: {"hour": 7, "minute": 3}
